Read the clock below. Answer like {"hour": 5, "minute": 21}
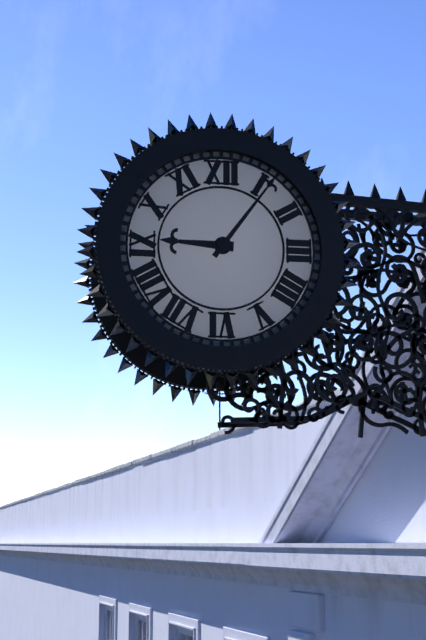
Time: {"hour": 9, "minute": 6}
